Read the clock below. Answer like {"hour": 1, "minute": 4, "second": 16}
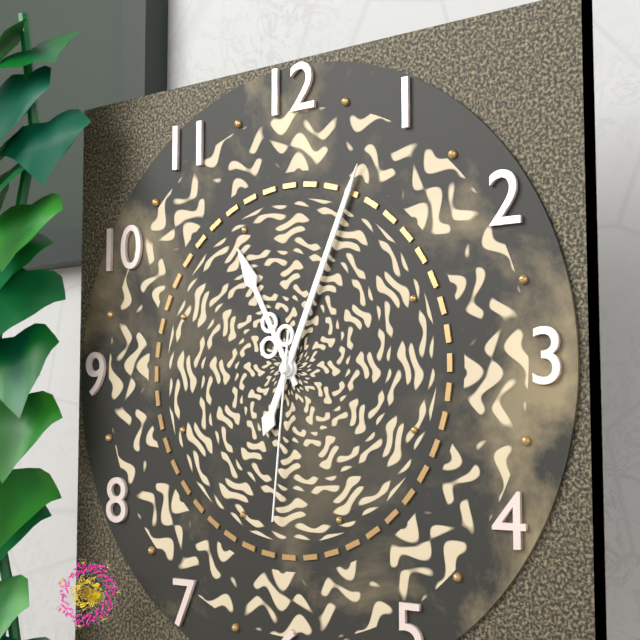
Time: {"hour": 11, "minute": 4, "second": 31}
